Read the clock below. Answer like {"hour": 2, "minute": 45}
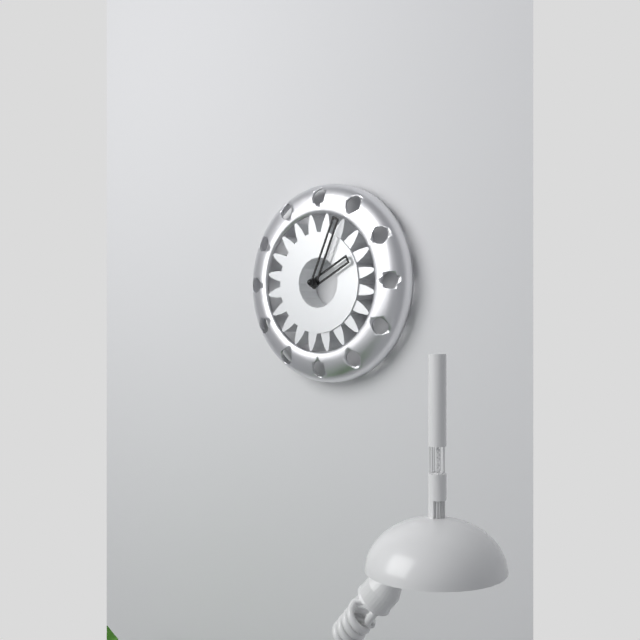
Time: {"hour": 2, "minute": 4}
